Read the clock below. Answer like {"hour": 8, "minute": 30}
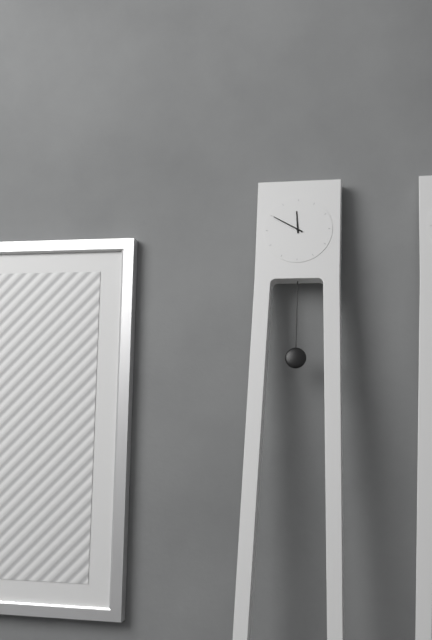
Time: {"hour": 11, "minute": 50}
